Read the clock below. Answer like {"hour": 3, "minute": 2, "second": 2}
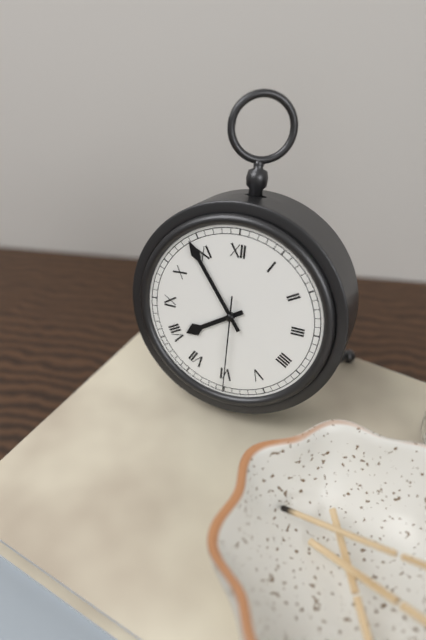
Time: {"hour": 7, "minute": 54, "second": 30}
